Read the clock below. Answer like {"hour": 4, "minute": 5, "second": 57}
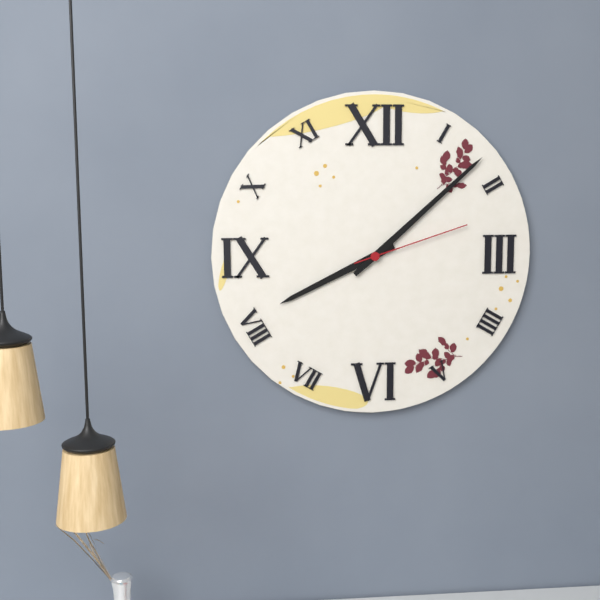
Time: {"hour": 8, "minute": 8, "second": 12}
